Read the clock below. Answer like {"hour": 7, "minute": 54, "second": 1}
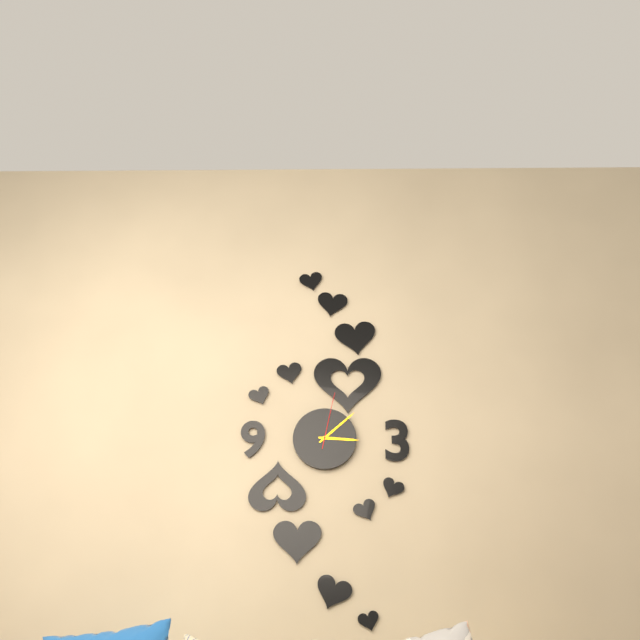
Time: {"hour": 3, "minute": 8, "second": 2}
